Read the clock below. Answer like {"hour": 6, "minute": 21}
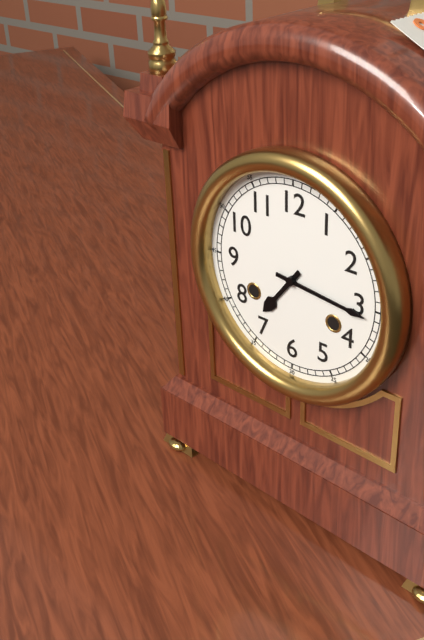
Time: {"hour": 7, "minute": 16}
